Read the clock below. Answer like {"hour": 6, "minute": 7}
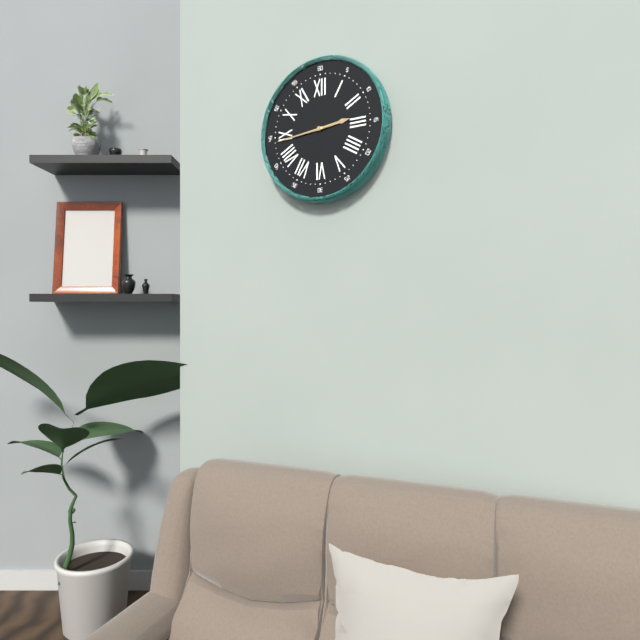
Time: {"hour": 2, "minute": 44}
